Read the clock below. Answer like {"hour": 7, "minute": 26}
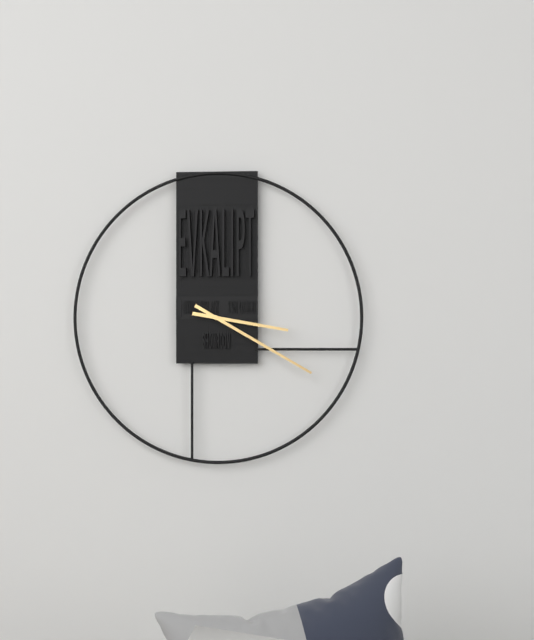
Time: {"hour": 3, "minute": 20}
